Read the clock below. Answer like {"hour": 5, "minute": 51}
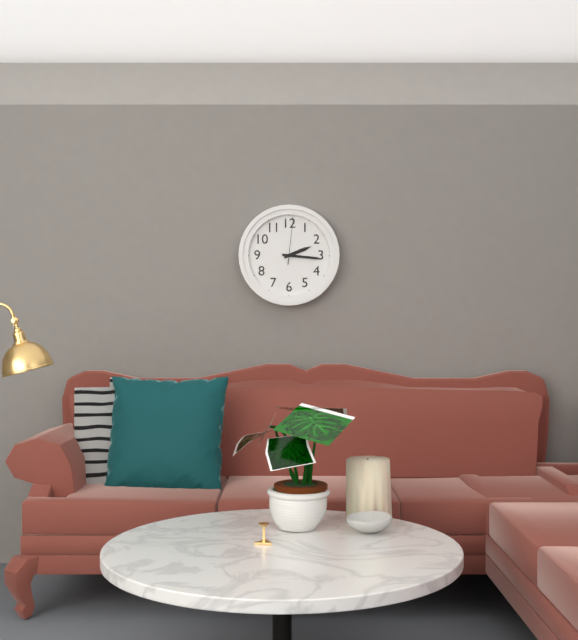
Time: {"hour": 2, "minute": 16}
